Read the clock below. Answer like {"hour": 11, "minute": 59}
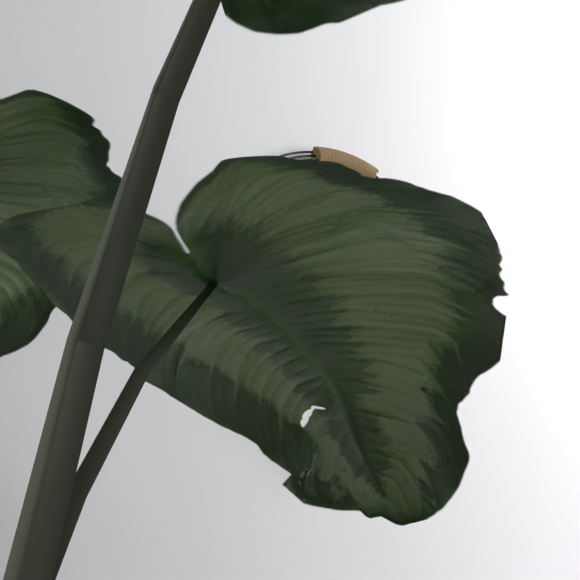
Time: {"hour": 3, "minute": 44}
